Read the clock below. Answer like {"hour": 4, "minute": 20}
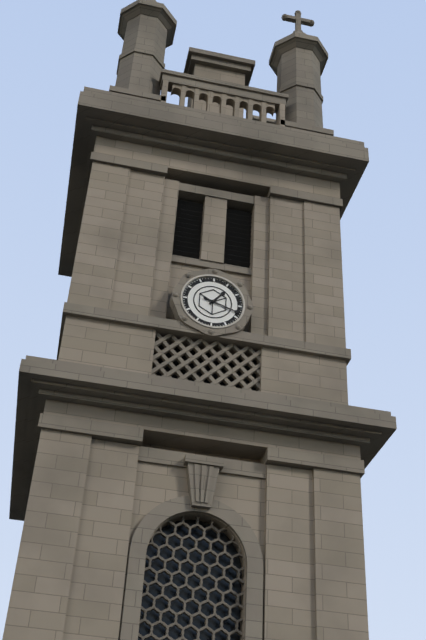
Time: {"hour": 1, "minute": 18}
